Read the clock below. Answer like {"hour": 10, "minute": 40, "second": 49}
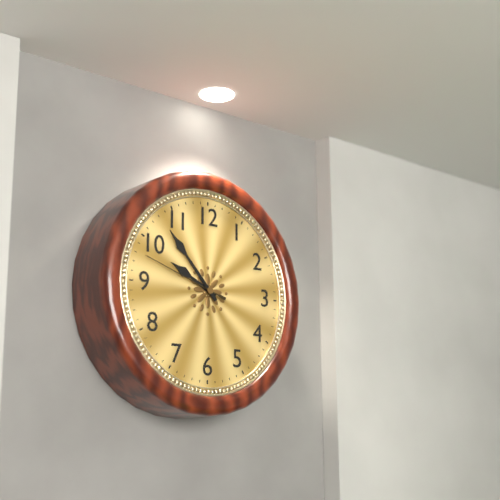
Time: {"hour": 9, "minute": 53, "second": 48}
